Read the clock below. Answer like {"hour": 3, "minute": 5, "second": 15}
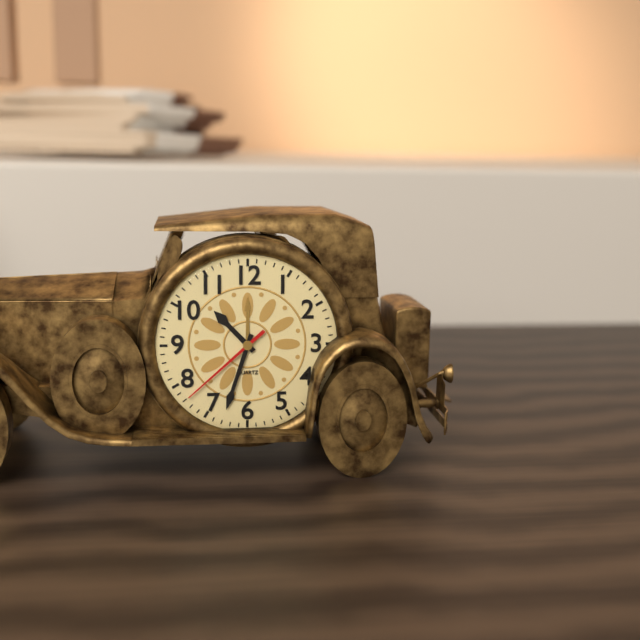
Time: {"hour": 10, "minute": 33, "second": 38}
